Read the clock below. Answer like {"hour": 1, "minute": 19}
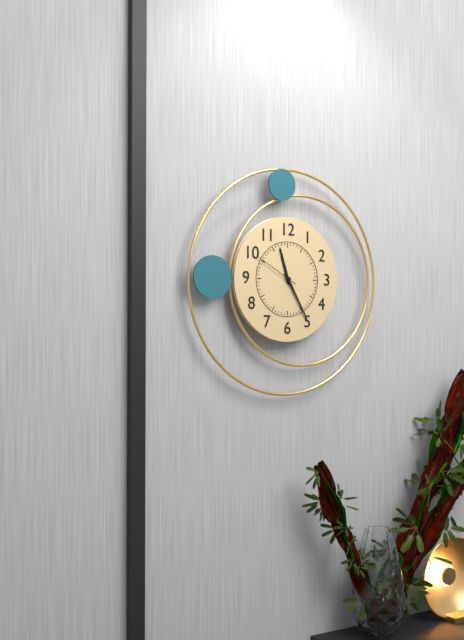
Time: {"hour": 11, "minute": 25}
